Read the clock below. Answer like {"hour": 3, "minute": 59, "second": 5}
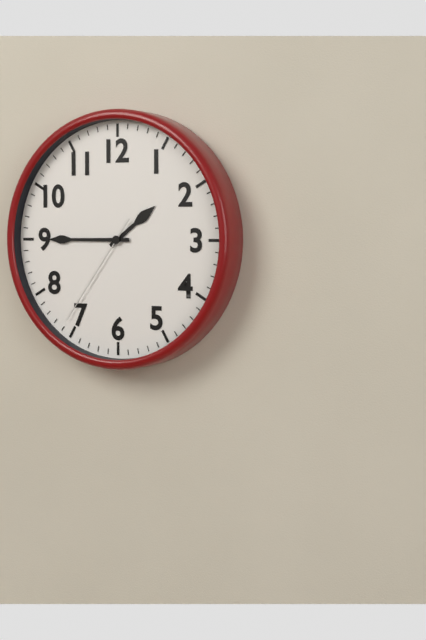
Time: {"hour": 1, "minute": 45, "second": 36}
